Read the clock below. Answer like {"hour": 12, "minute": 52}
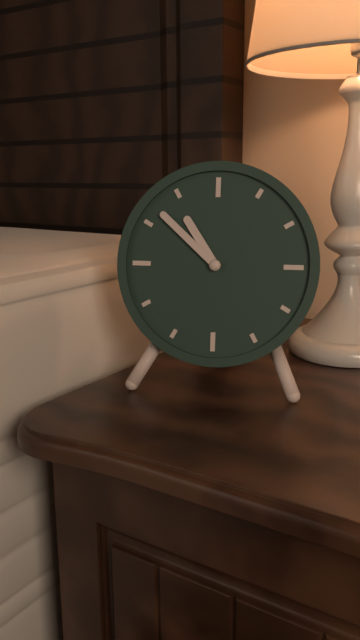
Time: {"hour": 10, "minute": 52}
